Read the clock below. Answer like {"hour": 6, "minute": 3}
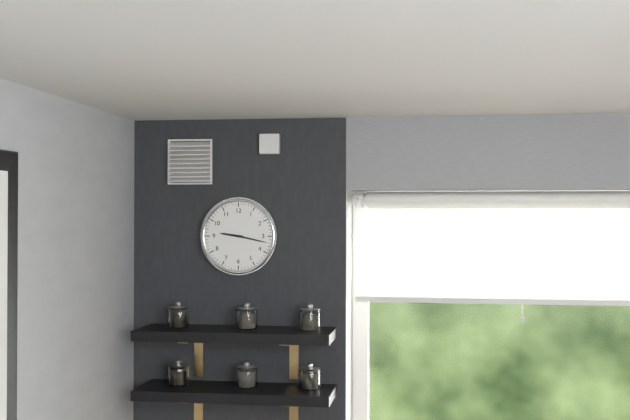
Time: {"hour": 9, "minute": 17}
